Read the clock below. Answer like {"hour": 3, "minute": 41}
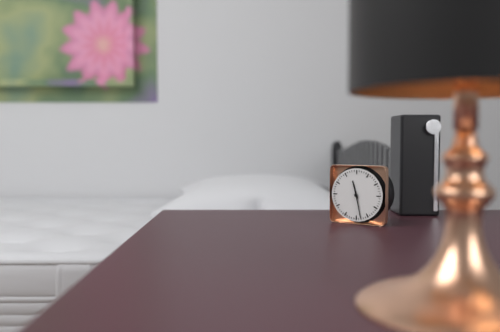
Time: {"hour": 11, "minute": 28}
